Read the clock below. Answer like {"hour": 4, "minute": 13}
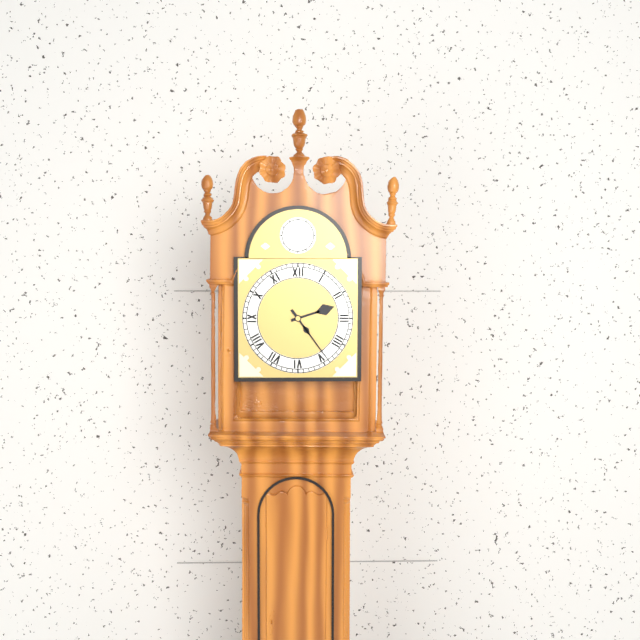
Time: {"hour": 2, "minute": 24}
